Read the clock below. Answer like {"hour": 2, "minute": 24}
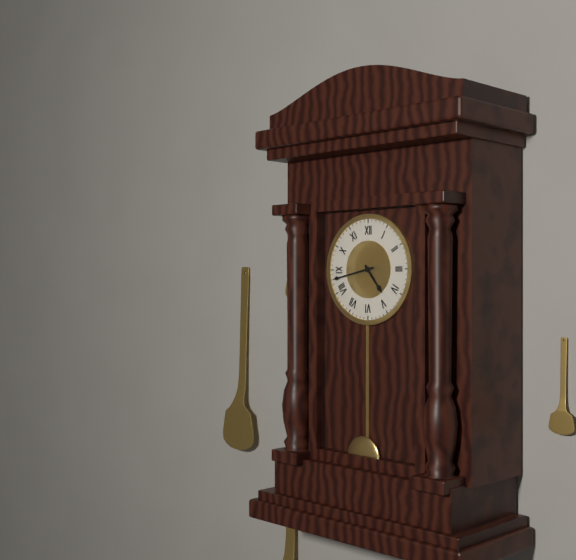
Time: {"hour": 4, "minute": 43}
